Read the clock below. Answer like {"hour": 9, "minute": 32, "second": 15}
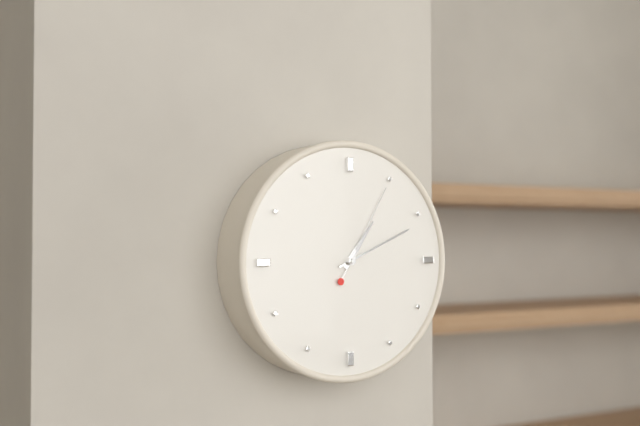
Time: {"hour": 1, "minute": 11, "second": 5}
